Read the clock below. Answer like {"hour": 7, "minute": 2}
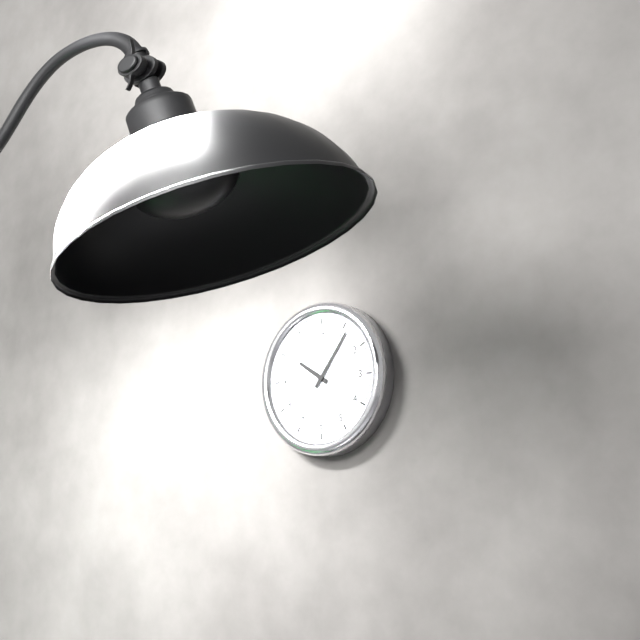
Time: {"hour": 10, "minute": 6}
